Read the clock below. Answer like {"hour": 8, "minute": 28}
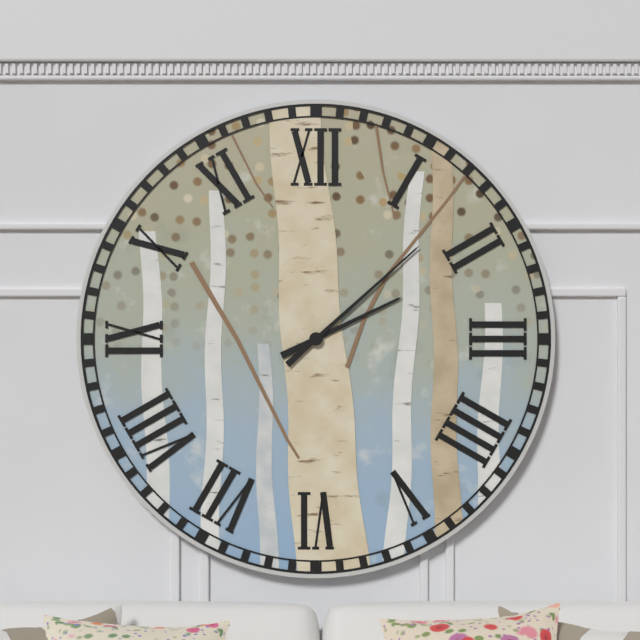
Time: {"hour": 2, "minute": 8}
